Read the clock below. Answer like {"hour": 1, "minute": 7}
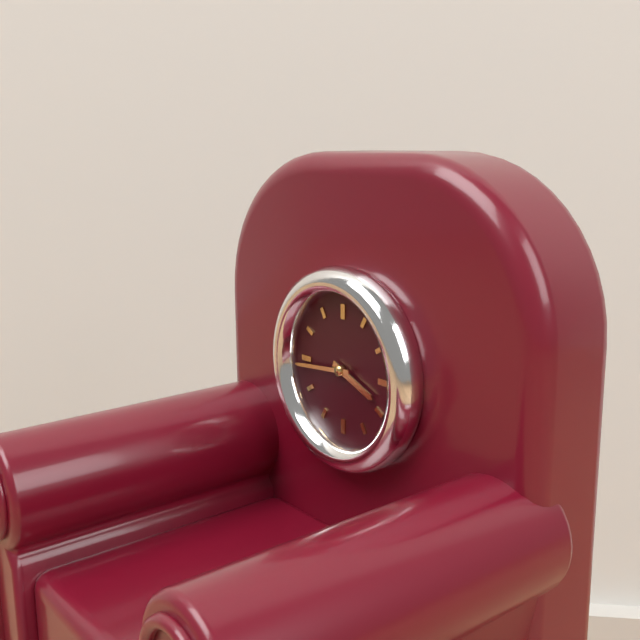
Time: {"hour": 3, "minute": 44}
